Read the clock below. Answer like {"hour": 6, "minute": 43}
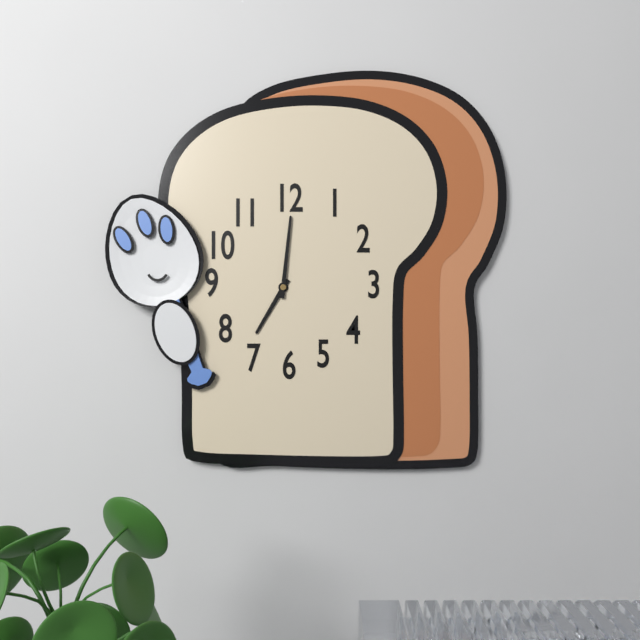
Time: {"hour": 7, "minute": 1}
